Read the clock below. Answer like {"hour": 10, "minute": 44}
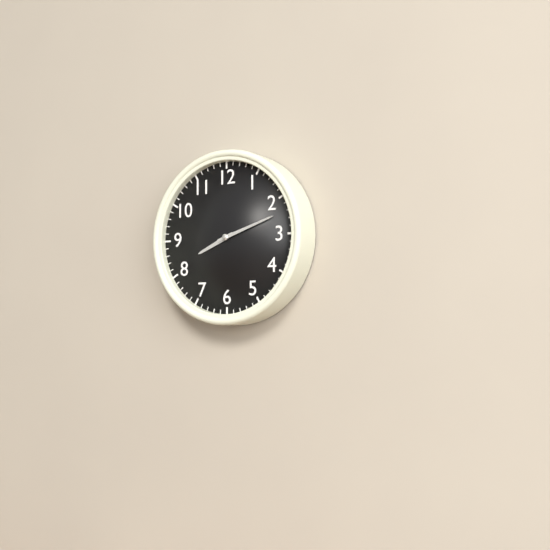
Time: {"hour": 8, "minute": 12}
